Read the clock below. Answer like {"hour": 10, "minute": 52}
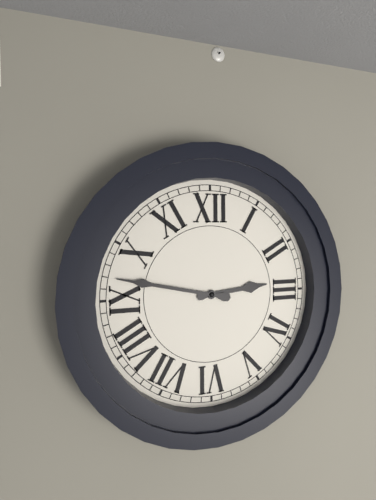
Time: {"hour": 2, "minute": 47}
